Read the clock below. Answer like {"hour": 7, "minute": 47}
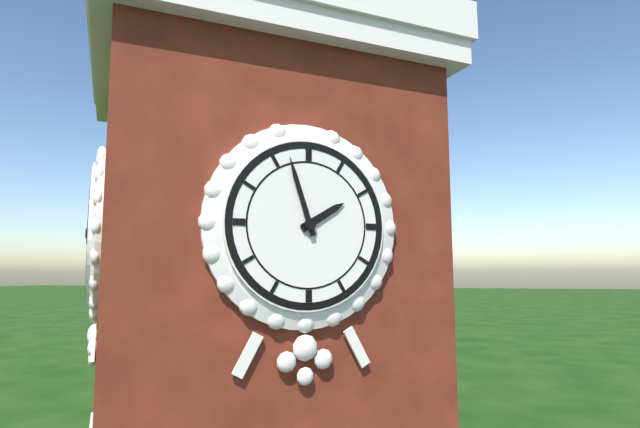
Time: {"hour": 1, "minute": 57}
